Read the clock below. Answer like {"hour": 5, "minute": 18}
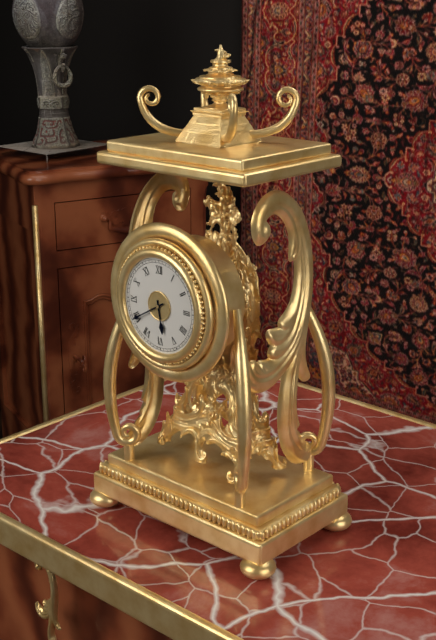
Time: {"hour": 5, "minute": 40}
